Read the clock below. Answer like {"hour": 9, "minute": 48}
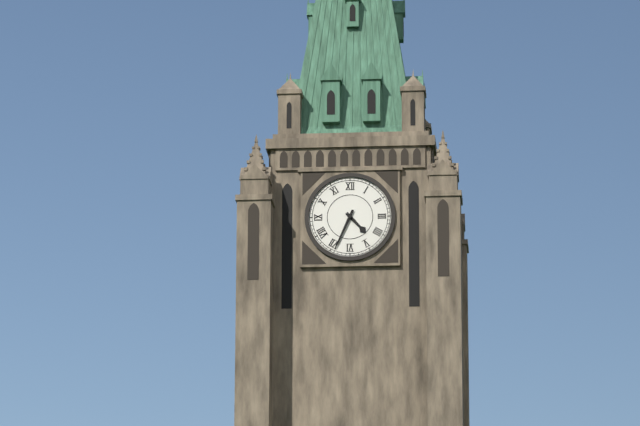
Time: {"hour": 4, "minute": 34}
